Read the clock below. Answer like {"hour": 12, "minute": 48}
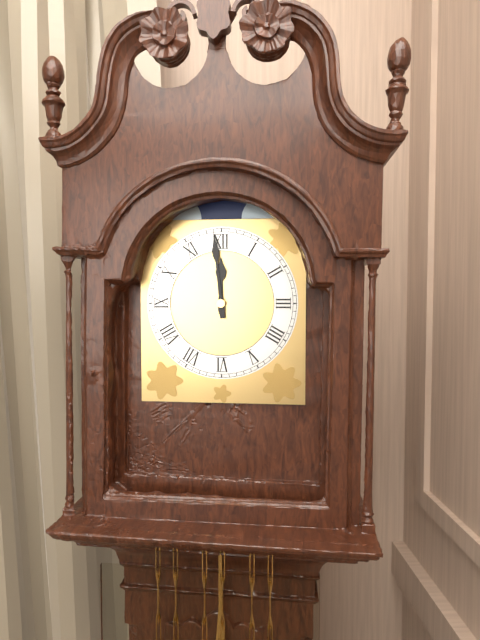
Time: {"hour": 11, "minute": 59}
